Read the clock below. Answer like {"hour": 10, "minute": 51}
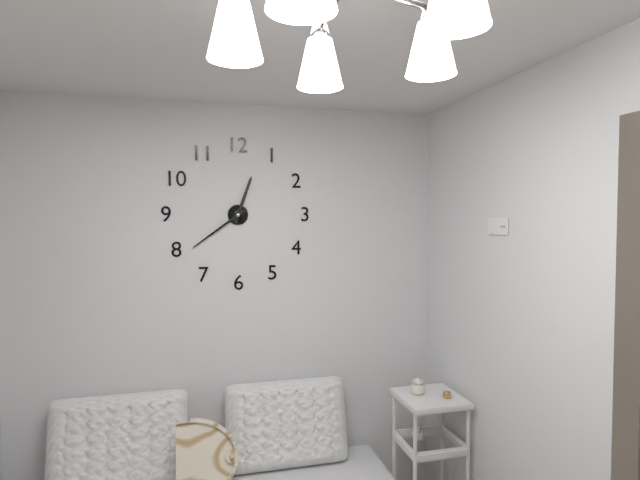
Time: {"hour": 12, "minute": 39}
